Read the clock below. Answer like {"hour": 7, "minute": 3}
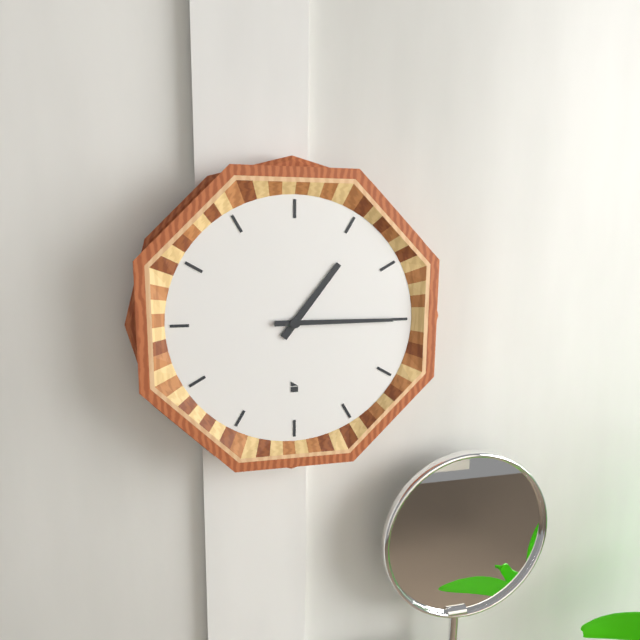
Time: {"hour": 1, "minute": 15}
